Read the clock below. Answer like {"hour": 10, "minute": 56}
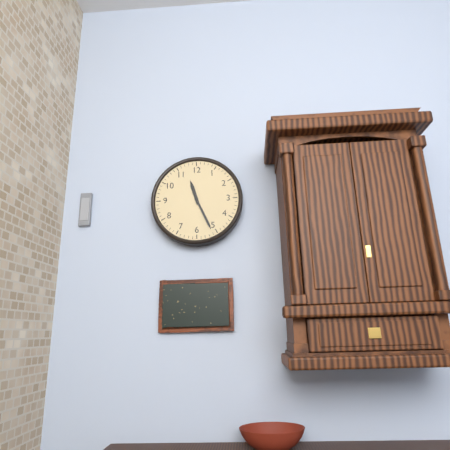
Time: {"hour": 11, "minute": 26}
